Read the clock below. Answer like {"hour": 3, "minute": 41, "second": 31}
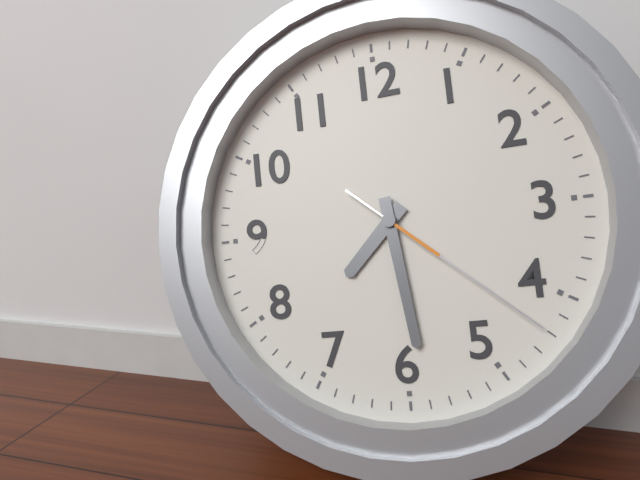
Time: {"hour": 7, "minute": 29, "second": 22}
